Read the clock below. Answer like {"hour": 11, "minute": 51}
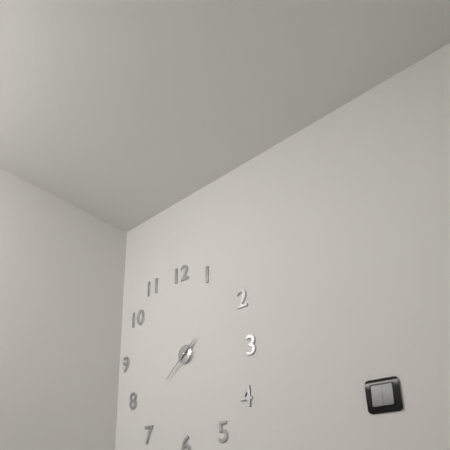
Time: {"hour": 1, "minute": 38}
